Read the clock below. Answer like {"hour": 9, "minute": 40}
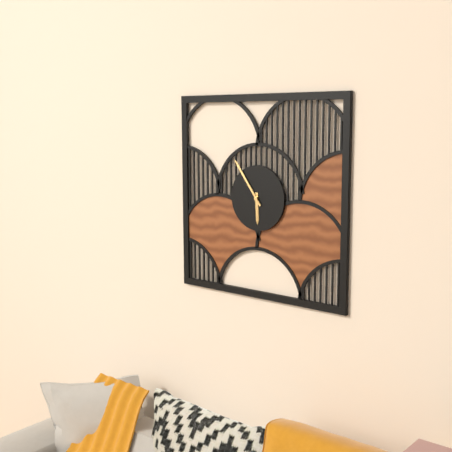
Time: {"hour": 5, "minute": 54}
